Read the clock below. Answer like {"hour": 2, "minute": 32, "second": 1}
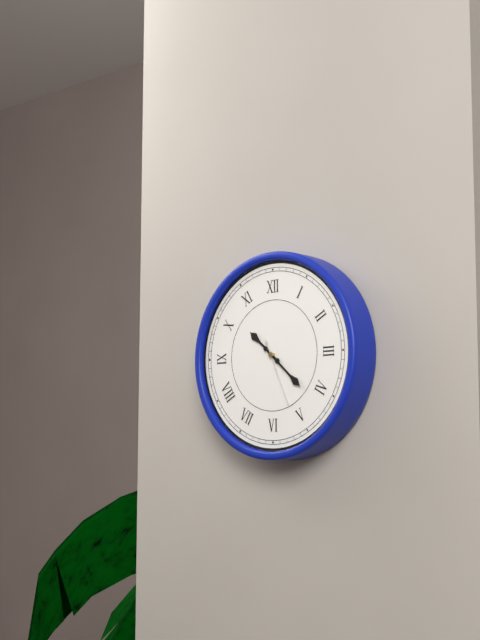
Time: {"hour": 10, "minute": 22, "second": 26}
